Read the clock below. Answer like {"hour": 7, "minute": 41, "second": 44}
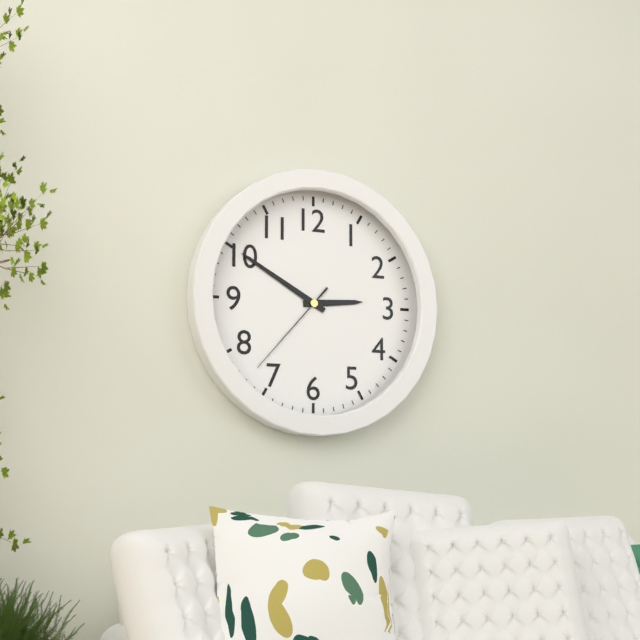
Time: {"hour": 2, "minute": 50, "second": 37}
